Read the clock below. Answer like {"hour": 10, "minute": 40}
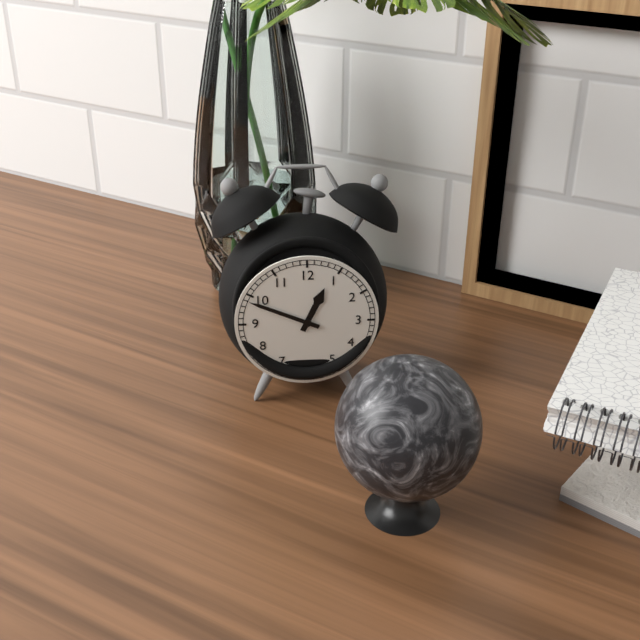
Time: {"hour": 12, "minute": 49}
